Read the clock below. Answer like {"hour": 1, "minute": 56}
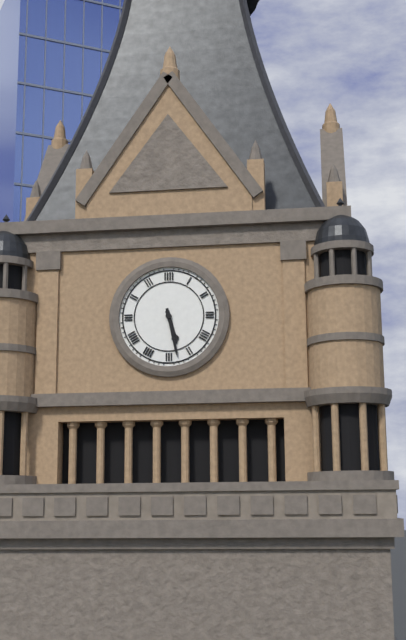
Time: {"hour": 5, "minute": 28}
